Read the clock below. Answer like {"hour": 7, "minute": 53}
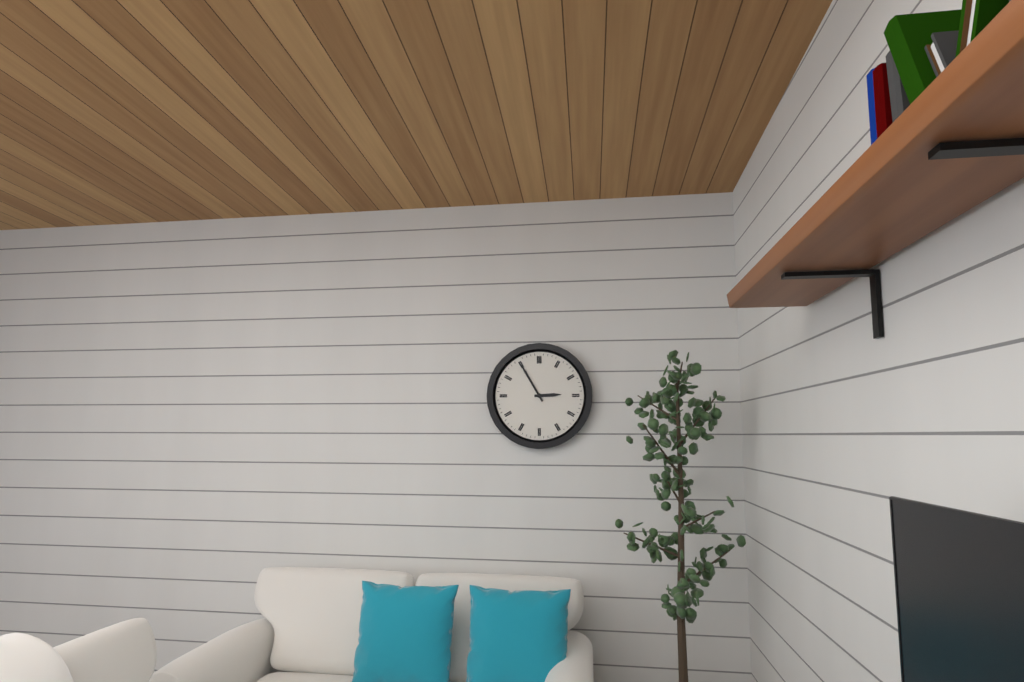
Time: {"hour": 2, "minute": 55}
